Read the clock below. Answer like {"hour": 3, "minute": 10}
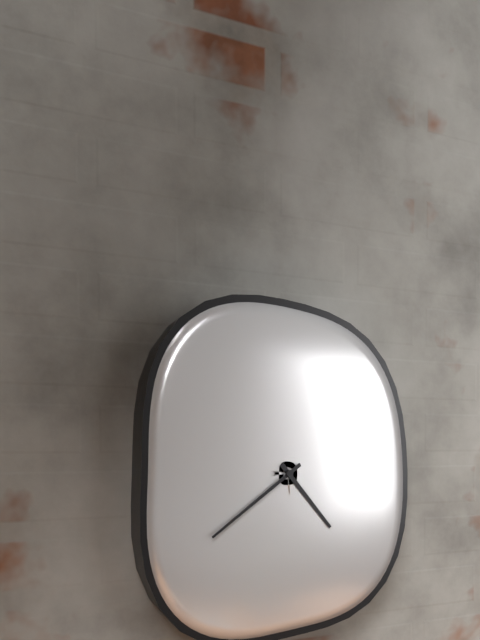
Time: {"hour": 4, "minute": 39}
